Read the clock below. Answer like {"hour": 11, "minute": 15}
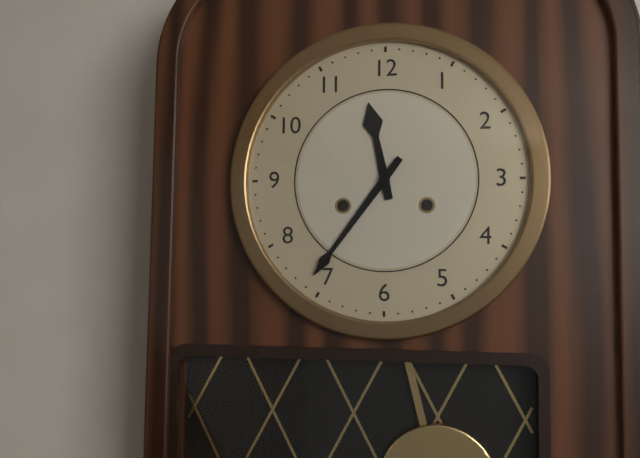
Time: {"hour": 11, "minute": 36}
